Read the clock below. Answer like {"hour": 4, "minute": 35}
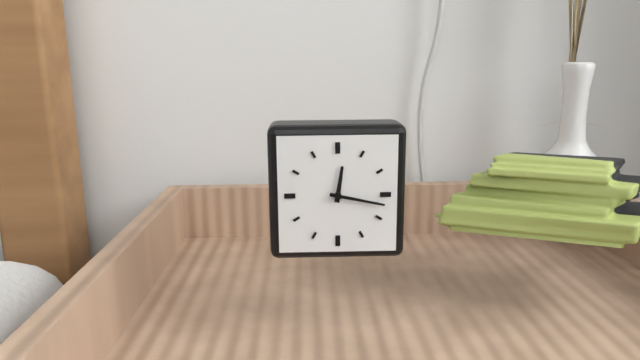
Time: {"hour": 12, "minute": 17}
